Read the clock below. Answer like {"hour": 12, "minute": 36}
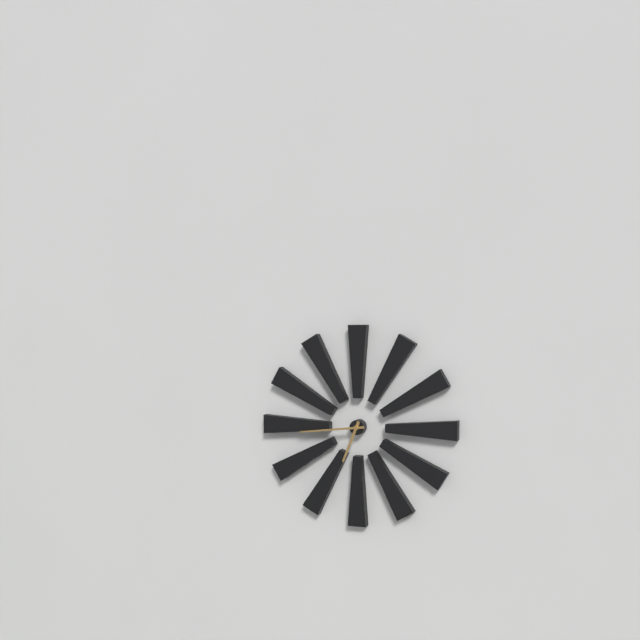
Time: {"hour": 6, "minute": 44}
